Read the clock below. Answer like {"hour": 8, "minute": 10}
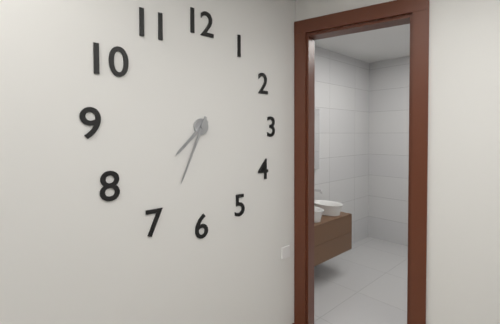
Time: {"hour": 7, "minute": 34}
